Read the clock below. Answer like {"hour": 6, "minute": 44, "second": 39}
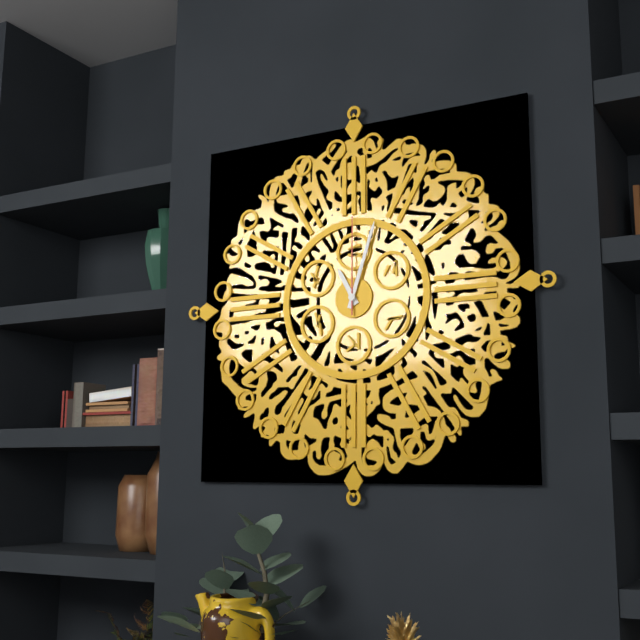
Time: {"hour": 11, "minute": 3, "second": 0}
